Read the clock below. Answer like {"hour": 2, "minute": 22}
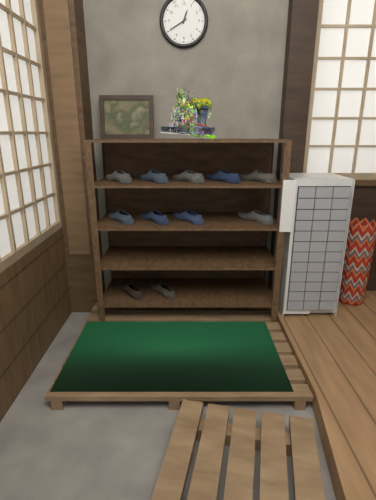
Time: {"hour": 12, "minute": 40}
